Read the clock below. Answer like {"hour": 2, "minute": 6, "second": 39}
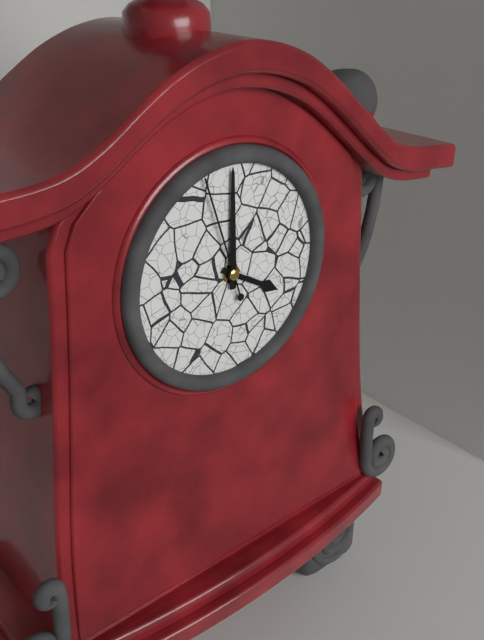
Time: {"hour": 4, "minute": 0, "second": 57}
